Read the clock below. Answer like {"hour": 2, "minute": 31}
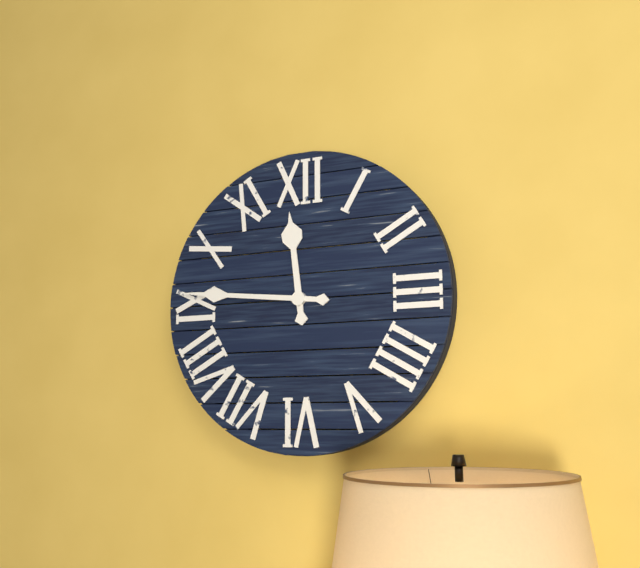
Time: {"hour": 11, "minute": 46}
